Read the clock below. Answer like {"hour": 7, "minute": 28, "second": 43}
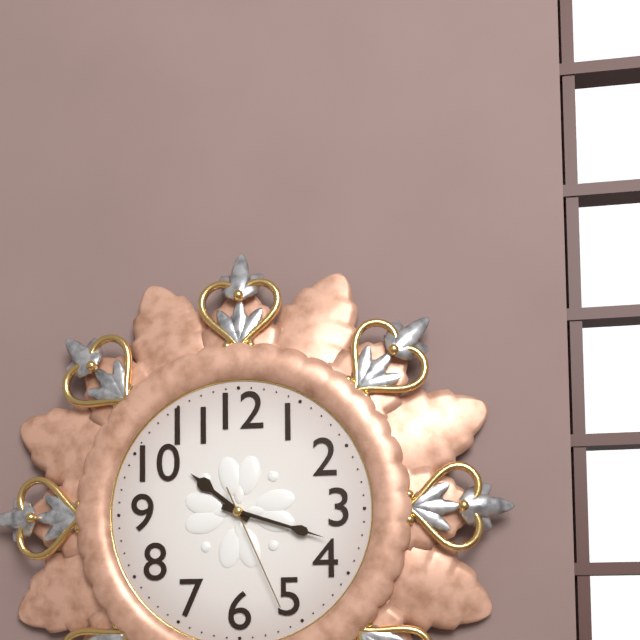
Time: {"hour": 10, "minute": 18, "second": 26}
